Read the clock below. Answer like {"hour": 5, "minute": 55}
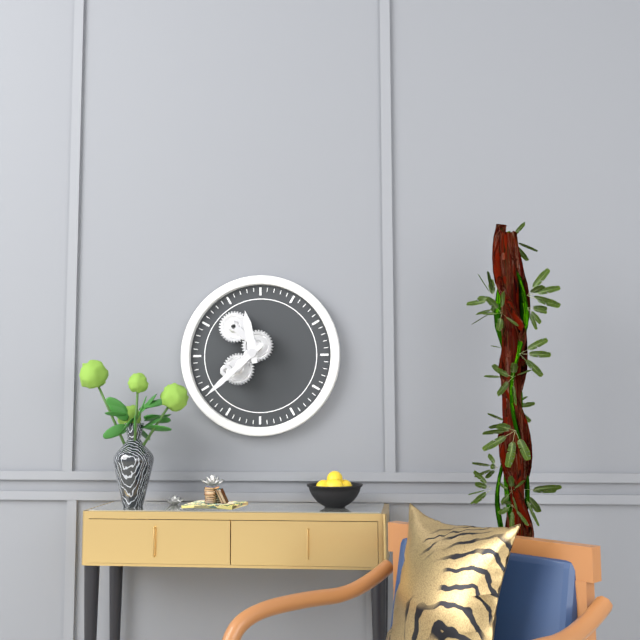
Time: {"hour": 11, "minute": 38}
